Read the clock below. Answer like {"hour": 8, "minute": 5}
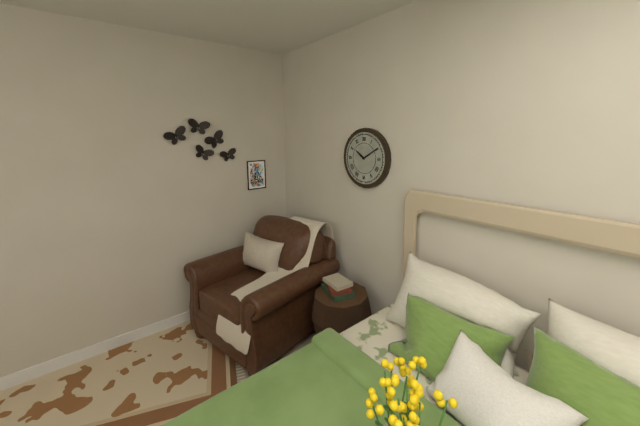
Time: {"hour": 10, "minute": 10}
